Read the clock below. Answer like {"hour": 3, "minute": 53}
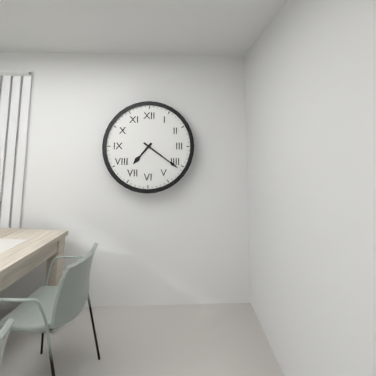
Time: {"hour": 7, "minute": 21}
